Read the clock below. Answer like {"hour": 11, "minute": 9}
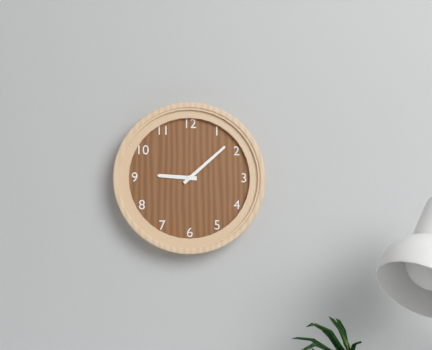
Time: {"hour": 9, "minute": 8}
